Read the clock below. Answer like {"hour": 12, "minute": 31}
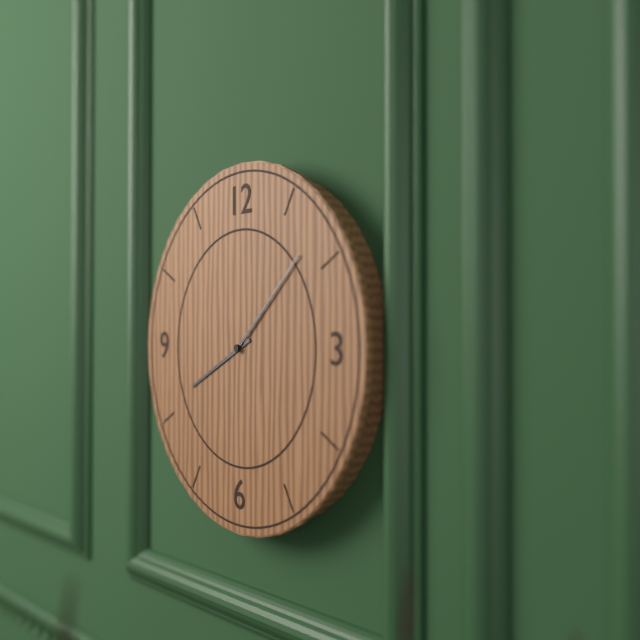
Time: {"hour": 8, "minute": 8}
